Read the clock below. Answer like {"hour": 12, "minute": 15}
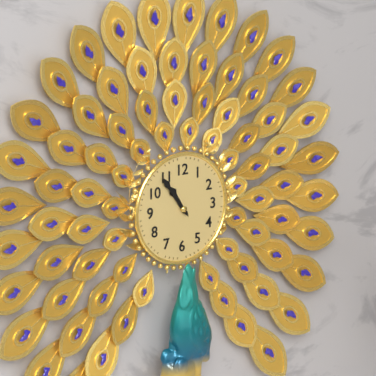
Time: {"hour": 10, "minute": 54}
